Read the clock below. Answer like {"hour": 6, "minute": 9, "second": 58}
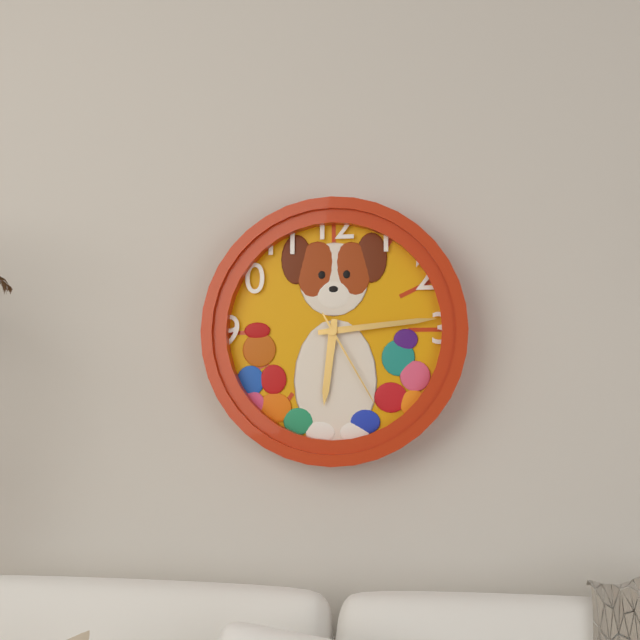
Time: {"hour": 6, "minute": 14, "second": 25}
